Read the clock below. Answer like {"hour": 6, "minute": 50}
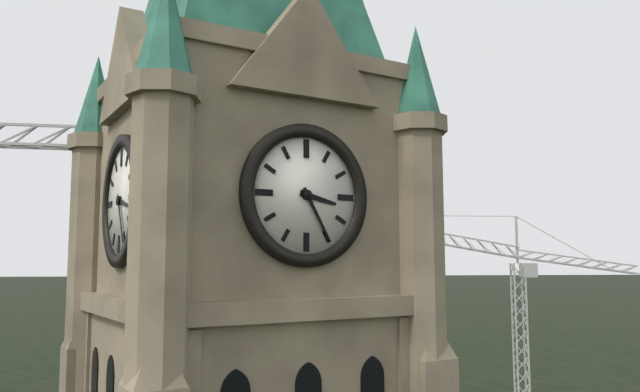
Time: {"hour": 3, "minute": 25}
